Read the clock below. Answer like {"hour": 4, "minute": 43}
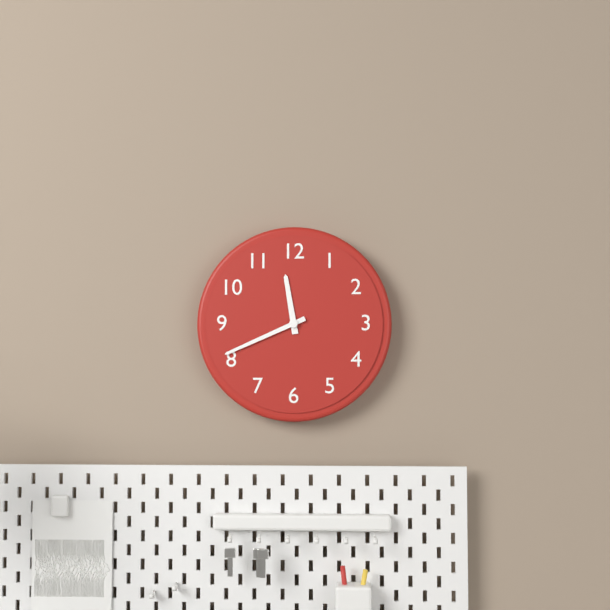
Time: {"hour": 11, "minute": 41}
